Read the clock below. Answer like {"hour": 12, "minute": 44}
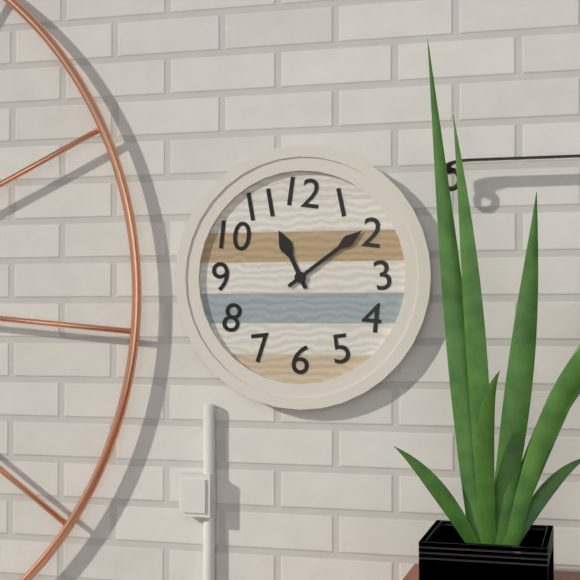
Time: {"hour": 11, "minute": 9}
